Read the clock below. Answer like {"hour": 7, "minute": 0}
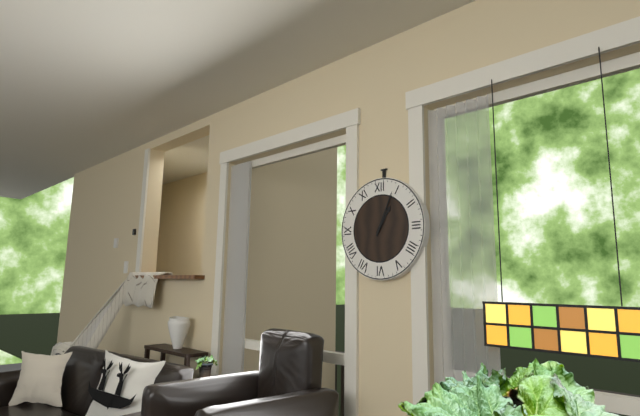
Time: {"hour": 1, "minute": 4}
